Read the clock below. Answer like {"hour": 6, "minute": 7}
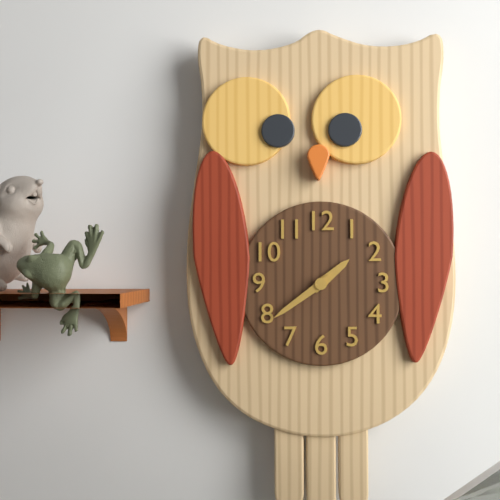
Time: {"hour": 1, "minute": 39}
